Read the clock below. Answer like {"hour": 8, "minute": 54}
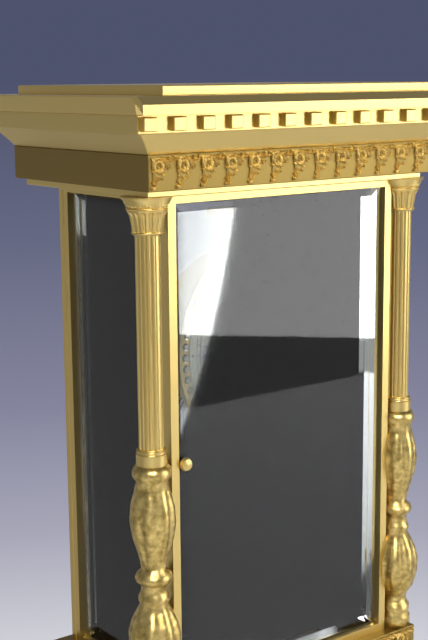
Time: {"hour": 5, "minute": 36}
